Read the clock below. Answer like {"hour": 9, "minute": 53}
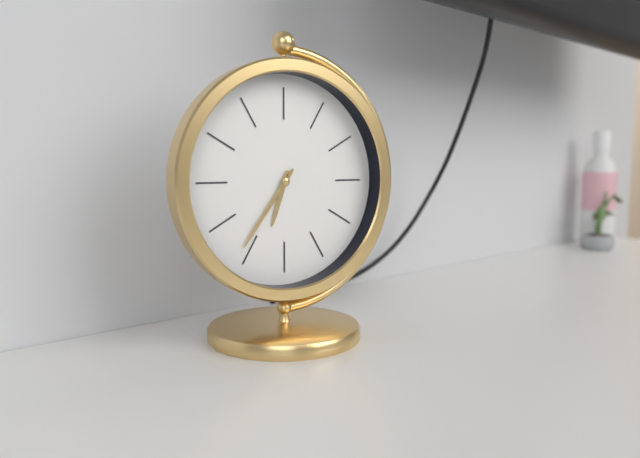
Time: {"hour": 6, "minute": 36}
